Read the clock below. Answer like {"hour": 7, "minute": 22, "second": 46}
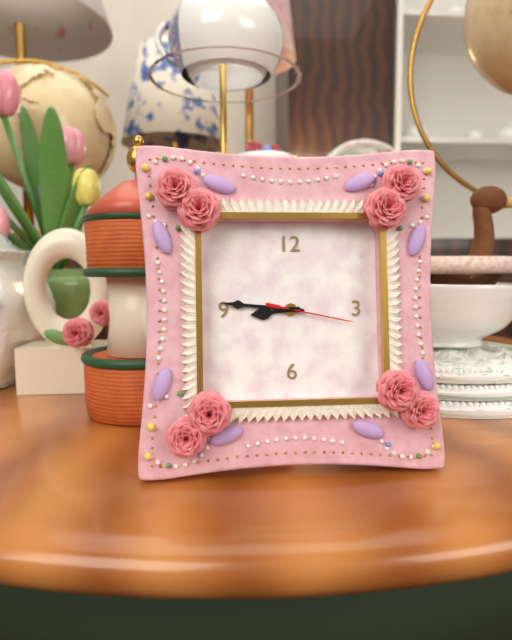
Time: {"hour": 8, "minute": 46, "second": 17}
